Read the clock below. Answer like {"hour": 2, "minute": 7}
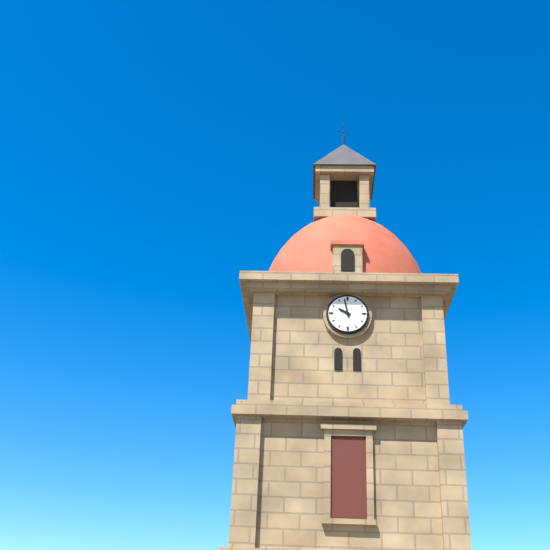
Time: {"hour": 9, "minute": 58}
